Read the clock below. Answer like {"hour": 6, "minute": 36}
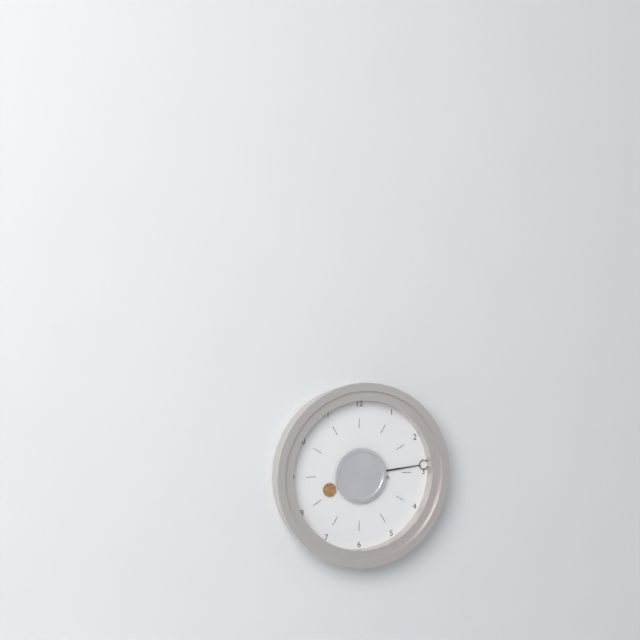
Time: {"hour": 8, "minute": 14}
